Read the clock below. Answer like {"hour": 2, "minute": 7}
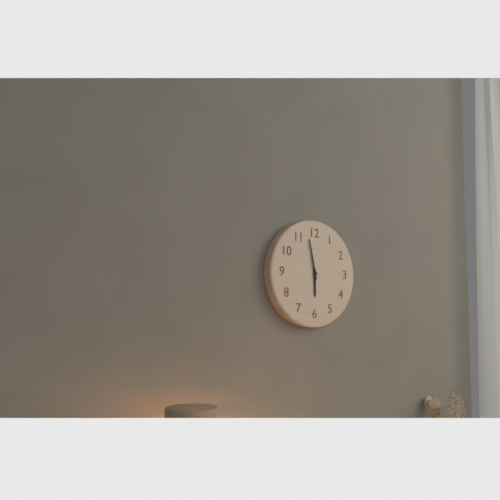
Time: {"hour": 5, "minute": 58}
